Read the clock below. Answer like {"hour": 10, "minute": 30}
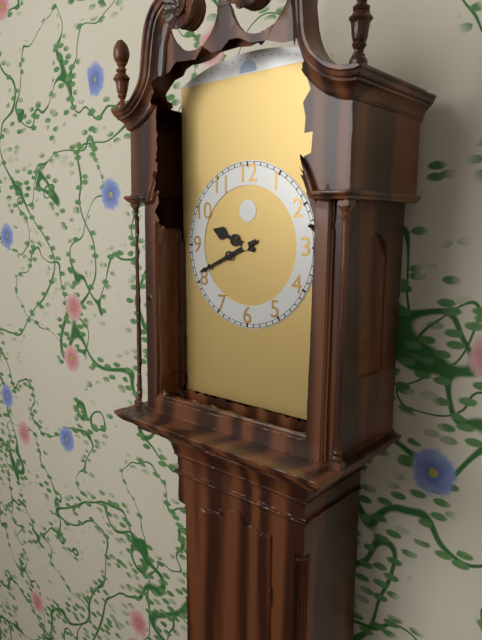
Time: {"hour": 9, "minute": 41}
